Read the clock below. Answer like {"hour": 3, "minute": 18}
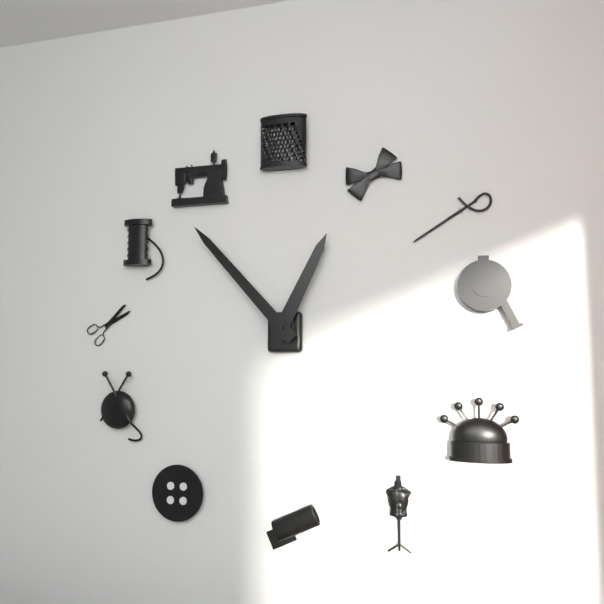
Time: {"hour": 12, "minute": 53}
